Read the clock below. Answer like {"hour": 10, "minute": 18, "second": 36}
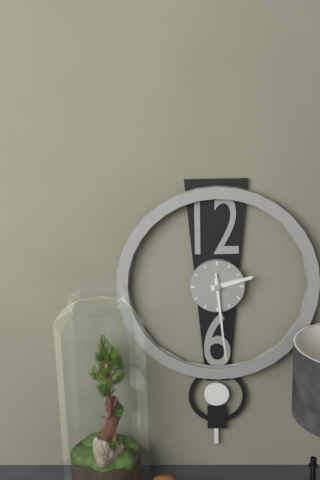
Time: {"hour": 2, "minute": 29, "second": 29}
